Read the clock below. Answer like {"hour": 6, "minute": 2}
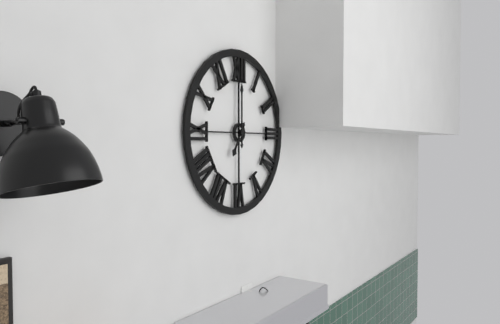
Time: {"hour": 7, "minute": 0}
